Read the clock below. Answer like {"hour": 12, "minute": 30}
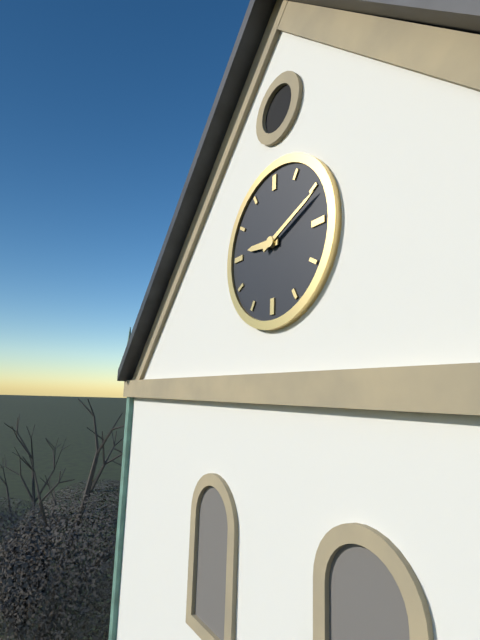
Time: {"hour": 9, "minute": 11}
